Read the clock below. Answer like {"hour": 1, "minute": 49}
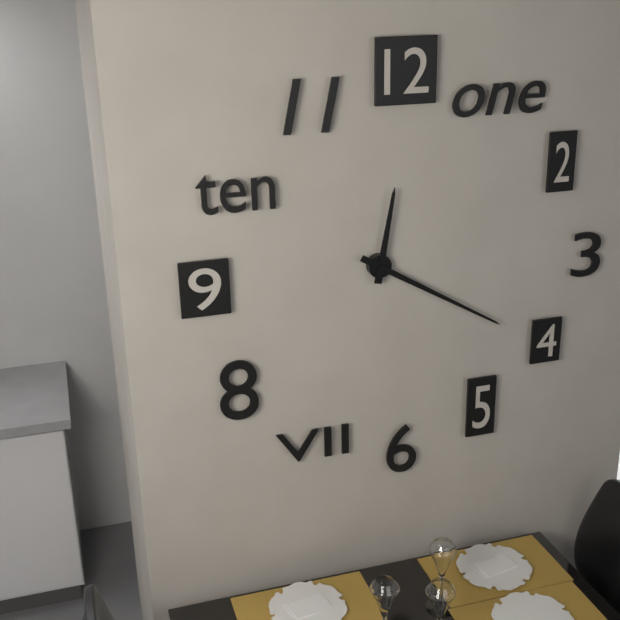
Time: {"hour": 12, "minute": 20}
